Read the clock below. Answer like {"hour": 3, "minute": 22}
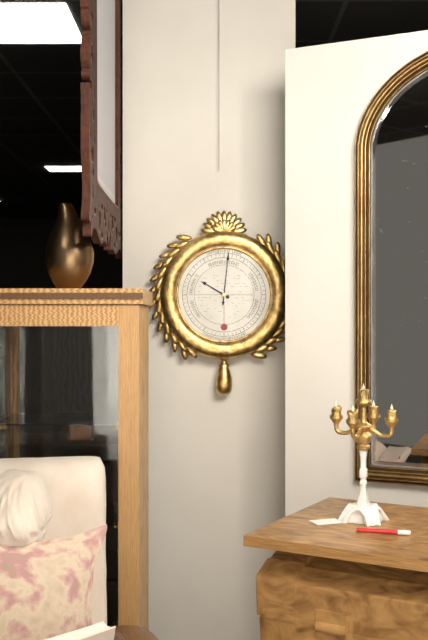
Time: {"hour": 10, "minute": 1}
